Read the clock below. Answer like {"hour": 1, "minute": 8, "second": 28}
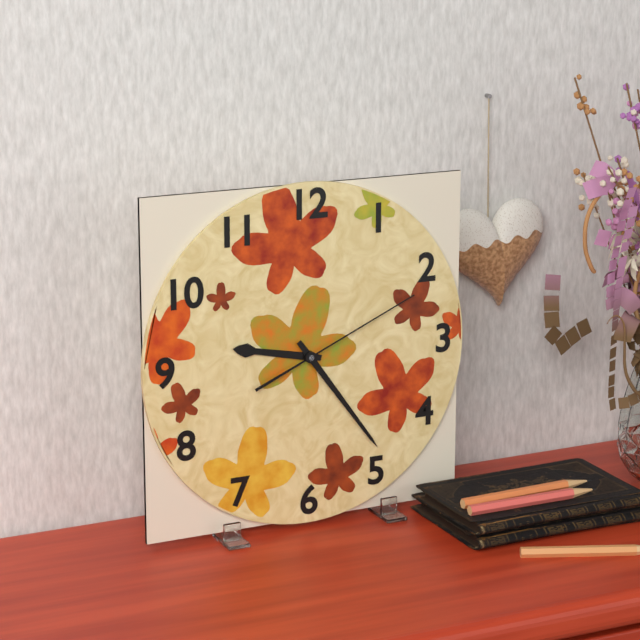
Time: {"hour": 9, "minute": 24, "second": 11}
